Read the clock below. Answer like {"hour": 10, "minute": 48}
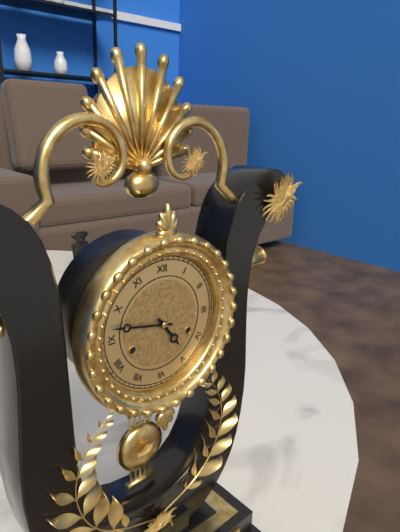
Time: {"hour": 4, "minute": 47}
